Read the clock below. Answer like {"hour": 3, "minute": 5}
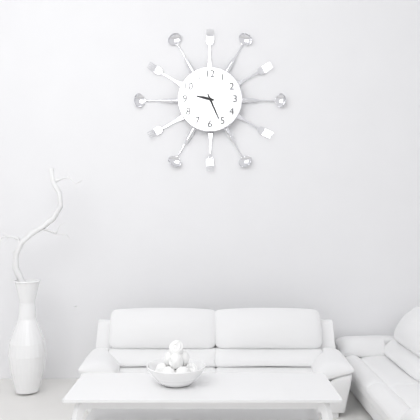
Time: {"hour": 9, "minute": 26}
